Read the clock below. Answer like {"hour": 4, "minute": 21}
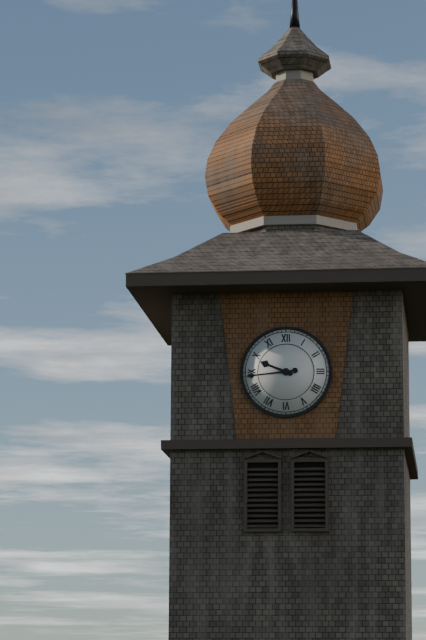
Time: {"hour": 9, "minute": 44}
